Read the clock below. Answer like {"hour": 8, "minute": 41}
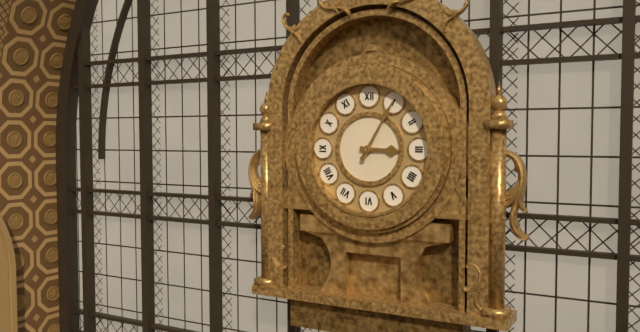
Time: {"hour": 3, "minute": 5}
